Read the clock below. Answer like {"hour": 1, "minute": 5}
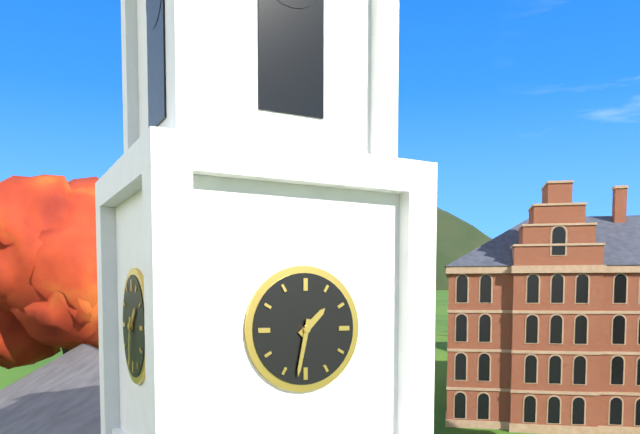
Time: {"hour": 1, "minute": 32}
